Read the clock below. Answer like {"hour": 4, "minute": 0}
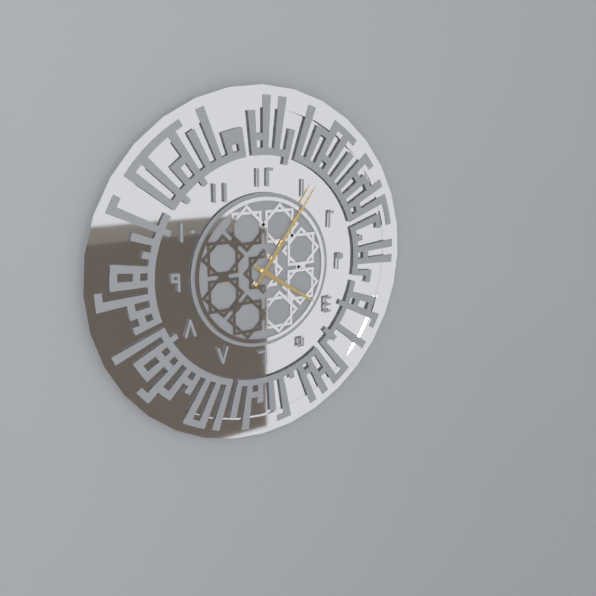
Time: {"hour": 4, "minute": 6}
